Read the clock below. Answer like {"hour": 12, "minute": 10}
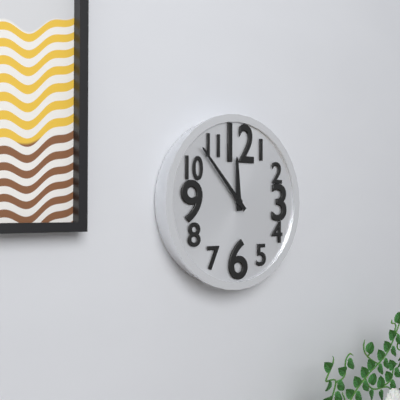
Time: {"hour": 11, "minute": 53}
